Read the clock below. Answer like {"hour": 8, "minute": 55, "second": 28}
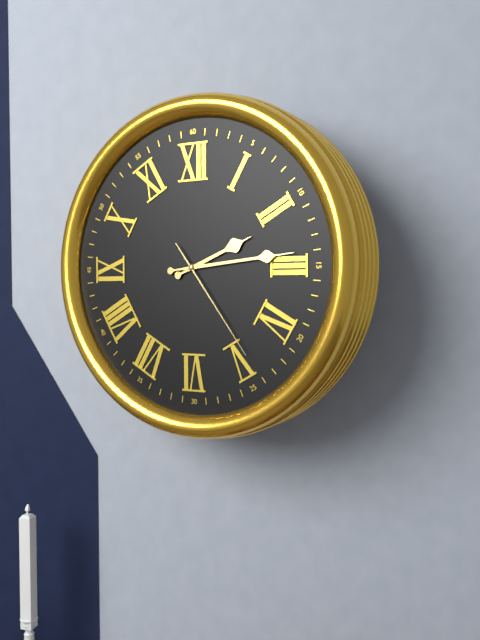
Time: {"hour": 2, "minute": 14, "second": 24}
